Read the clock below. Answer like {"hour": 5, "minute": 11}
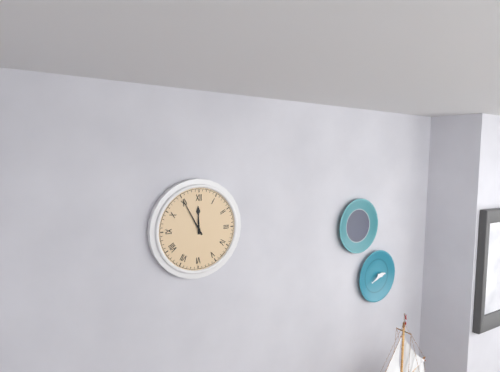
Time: {"hour": 11, "minute": 55}
